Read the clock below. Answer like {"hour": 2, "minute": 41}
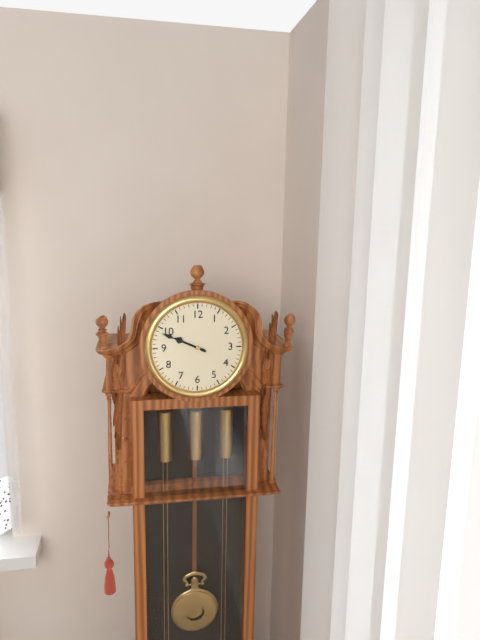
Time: {"hour": 9, "minute": 49}
